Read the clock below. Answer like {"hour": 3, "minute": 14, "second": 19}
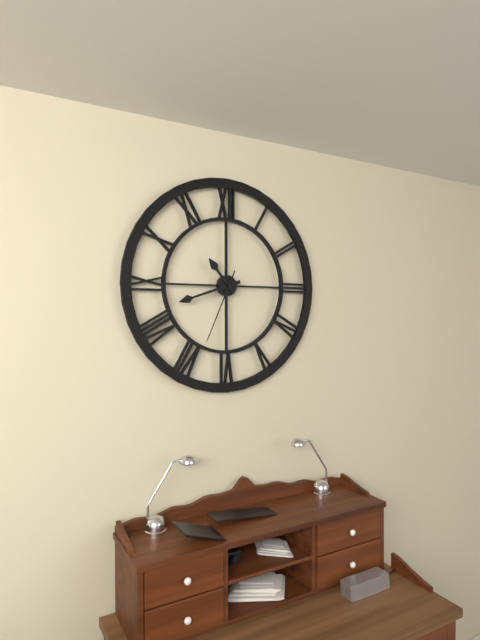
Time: {"hour": 10, "minute": 42, "second": 34}
